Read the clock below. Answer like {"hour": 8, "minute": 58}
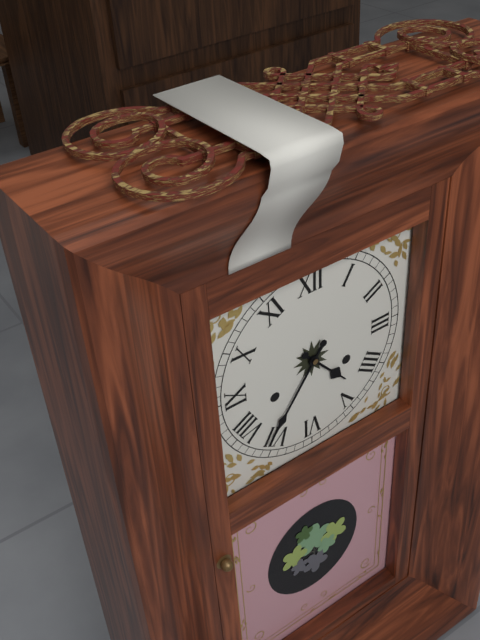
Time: {"hour": 4, "minute": 36}
